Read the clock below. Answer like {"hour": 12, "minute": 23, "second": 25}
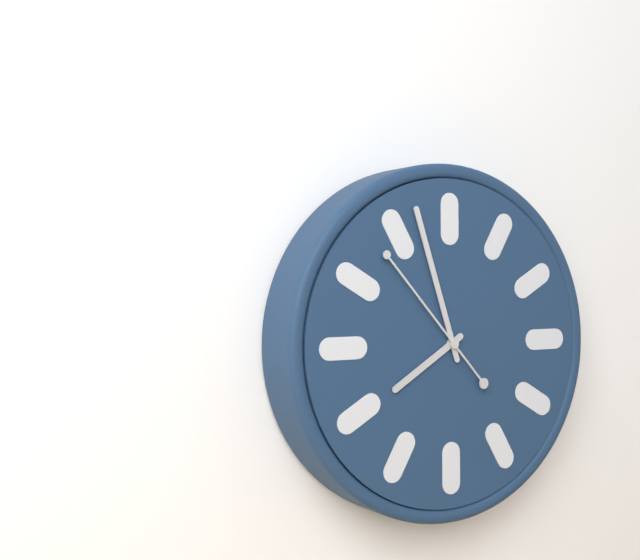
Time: {"hour": 7, "minute": 57, "second": 53}
